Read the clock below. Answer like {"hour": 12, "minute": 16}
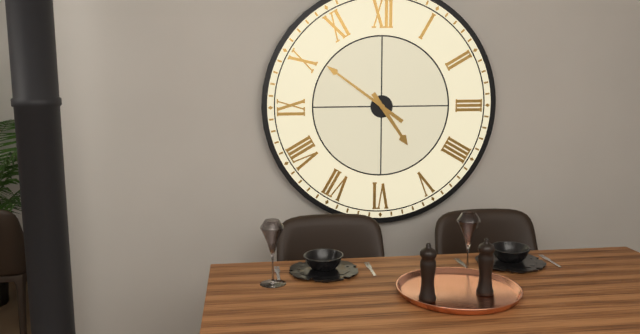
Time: {"hour": 4, "minute": 51}
